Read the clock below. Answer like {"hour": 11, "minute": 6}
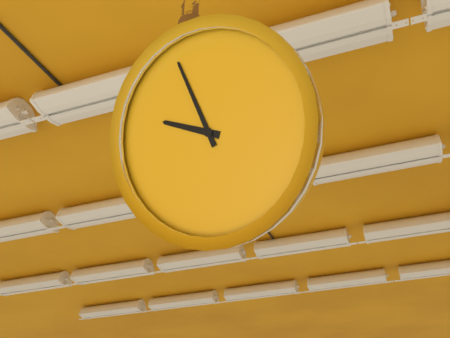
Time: {"hour": 9, "minute": 58}
